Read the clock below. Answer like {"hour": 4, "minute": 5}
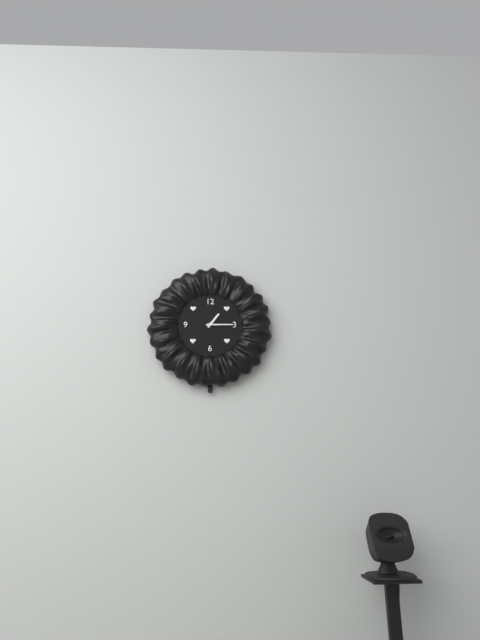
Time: {"hour": 1, "minute": 15}
